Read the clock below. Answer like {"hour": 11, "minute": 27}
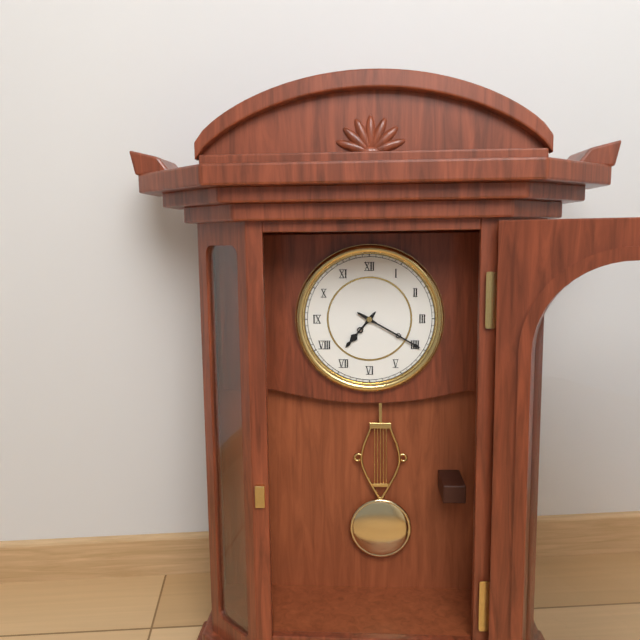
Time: {"hour": 7, "minute": 20}
